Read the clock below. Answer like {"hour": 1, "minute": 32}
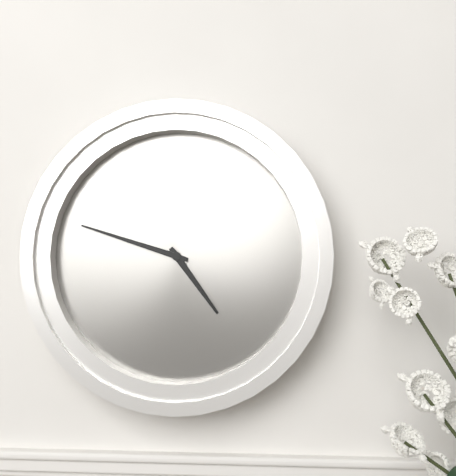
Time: {"hour": 4, "minute": 48}
